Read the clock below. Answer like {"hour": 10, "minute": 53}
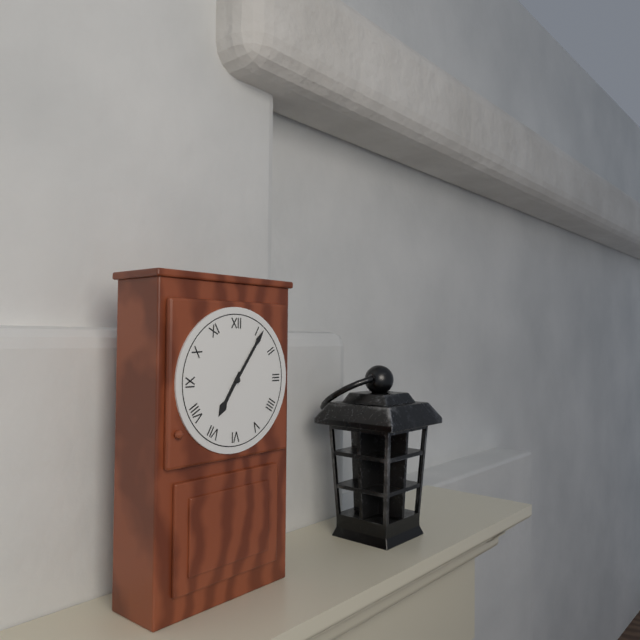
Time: {"hour": 7, "minute": 6}
